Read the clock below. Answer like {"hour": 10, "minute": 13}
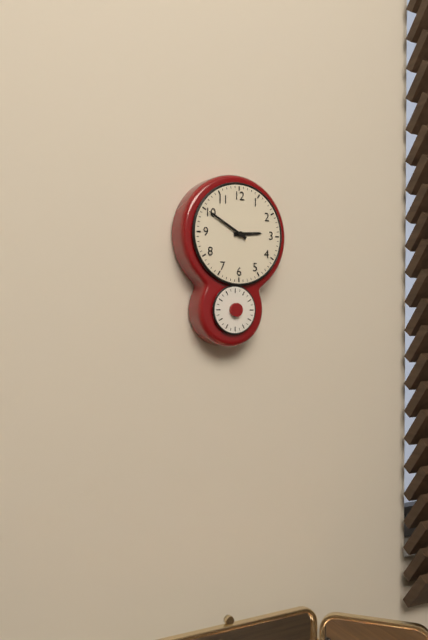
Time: {"hour": 2, "minute": 50}
